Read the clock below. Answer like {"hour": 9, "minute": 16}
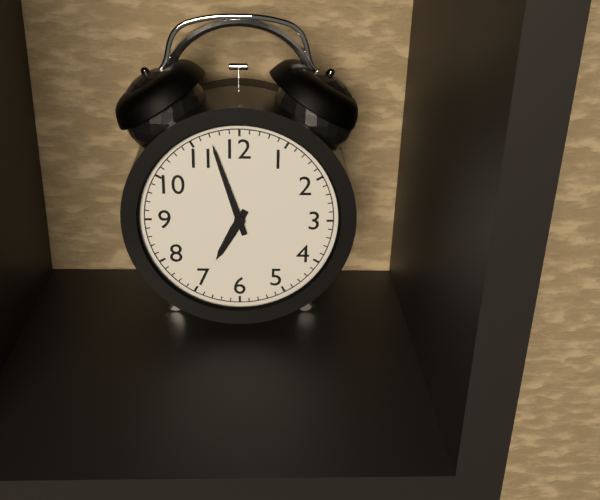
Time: {"hour": 6, "minute": 57}
